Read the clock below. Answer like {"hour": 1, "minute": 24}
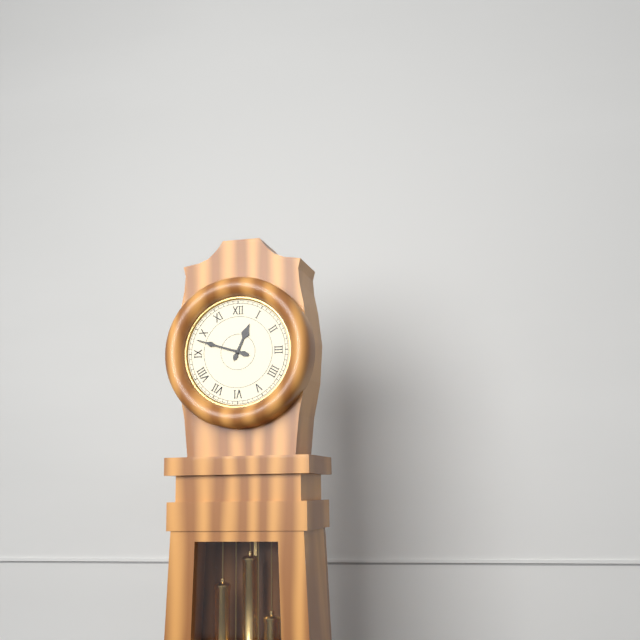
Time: {"hour": 12, "minute": 48}
